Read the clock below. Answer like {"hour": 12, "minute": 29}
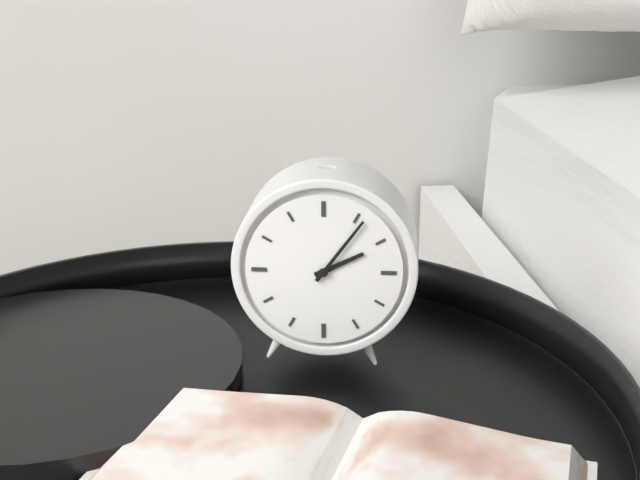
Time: {"hour": 2, "minute": 6}
